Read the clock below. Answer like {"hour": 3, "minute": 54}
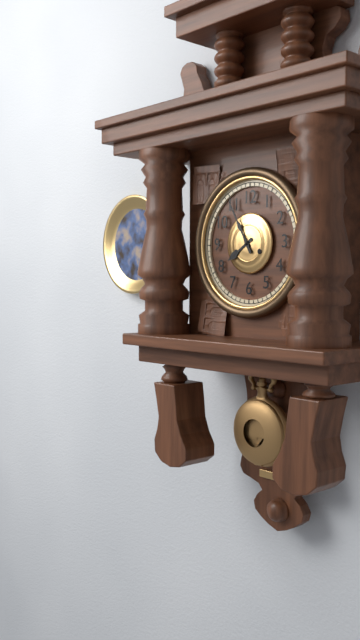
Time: {"hour": 7, "minute": 55}
